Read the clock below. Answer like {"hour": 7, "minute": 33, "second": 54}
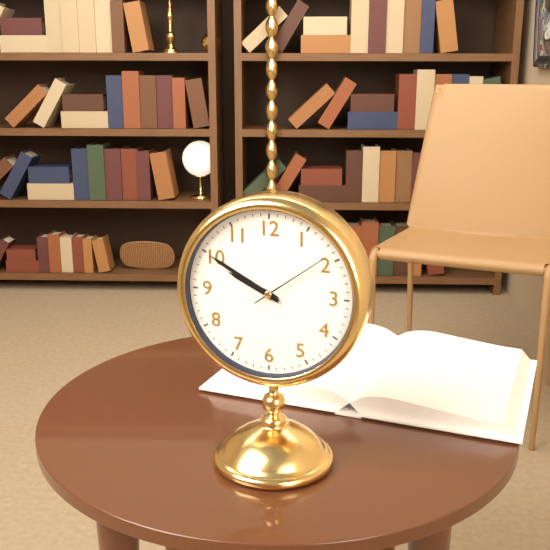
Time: {"hour": 9, "minute": 50, "second": 9}
